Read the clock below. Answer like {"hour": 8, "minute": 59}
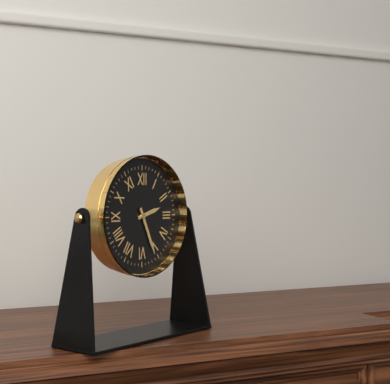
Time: {"hour": 2, "minute": 26}
